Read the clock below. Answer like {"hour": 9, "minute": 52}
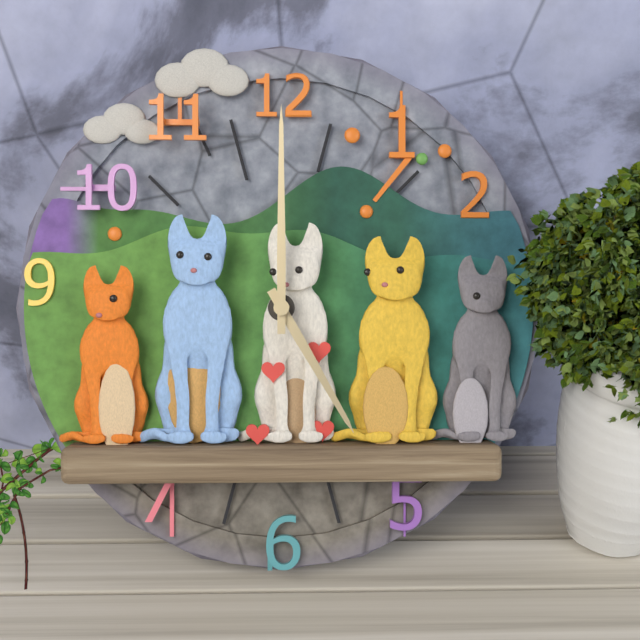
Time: {"hour": 5, "minute": 0}
